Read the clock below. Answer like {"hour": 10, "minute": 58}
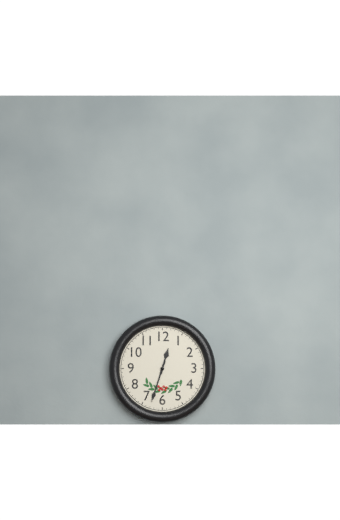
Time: {"hour": 12, "minute": 33}
